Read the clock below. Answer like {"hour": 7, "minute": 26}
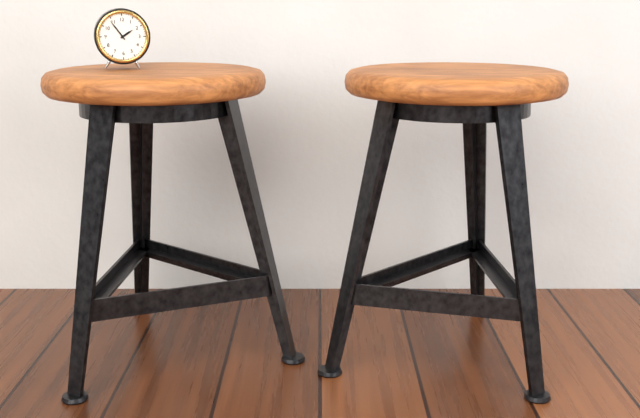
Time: {"hour": 1, "minute": 54}
